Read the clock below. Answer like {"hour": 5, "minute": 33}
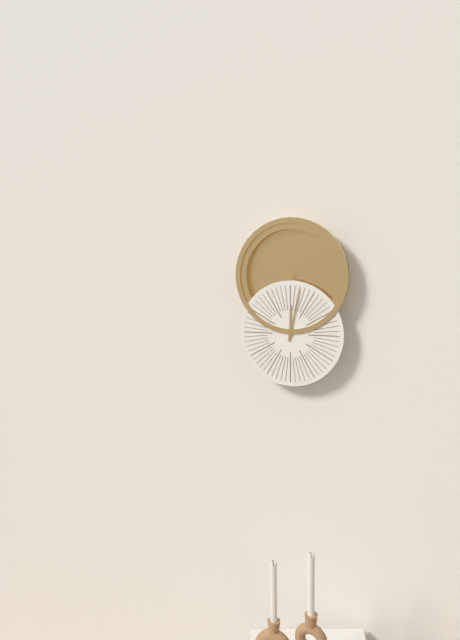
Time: {"hour": 12, "minute": 2}
